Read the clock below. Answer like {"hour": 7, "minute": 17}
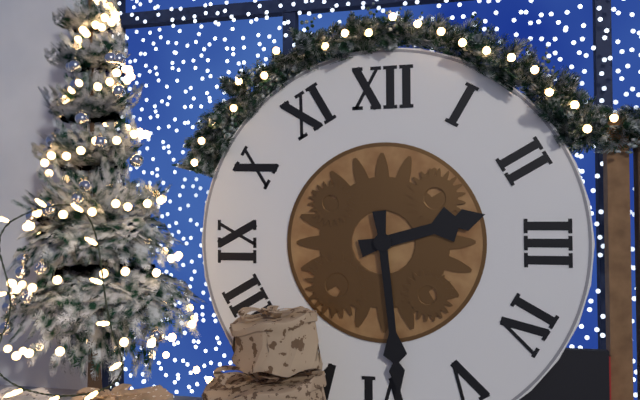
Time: {"hour": 2, "minute": 29}
